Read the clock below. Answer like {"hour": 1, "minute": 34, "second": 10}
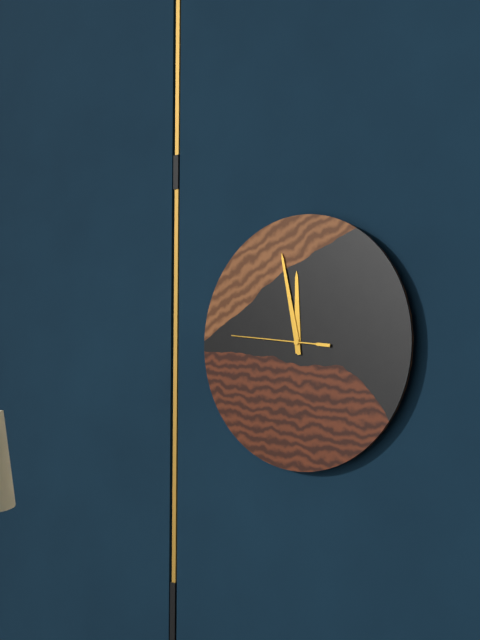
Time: {"hour": 11, "minute": 58, "second": 46}
